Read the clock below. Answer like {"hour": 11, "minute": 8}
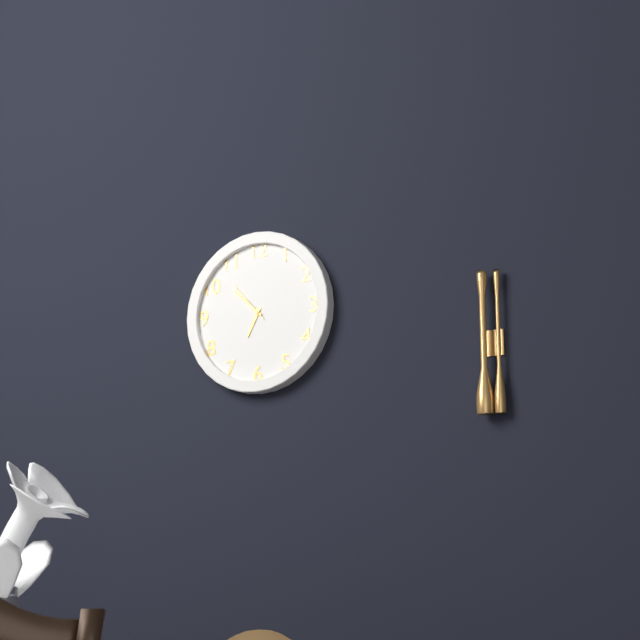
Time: {"hour": 6, "minute": 52}
